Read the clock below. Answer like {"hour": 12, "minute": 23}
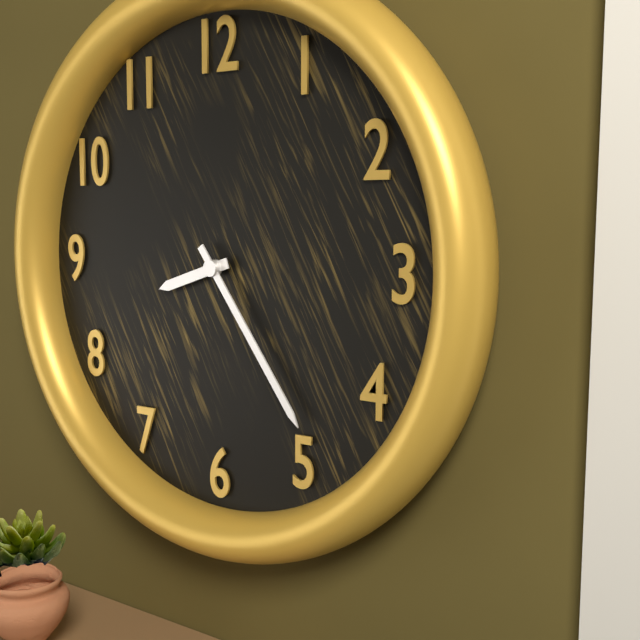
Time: {"hour": 8, "minute": 24}
